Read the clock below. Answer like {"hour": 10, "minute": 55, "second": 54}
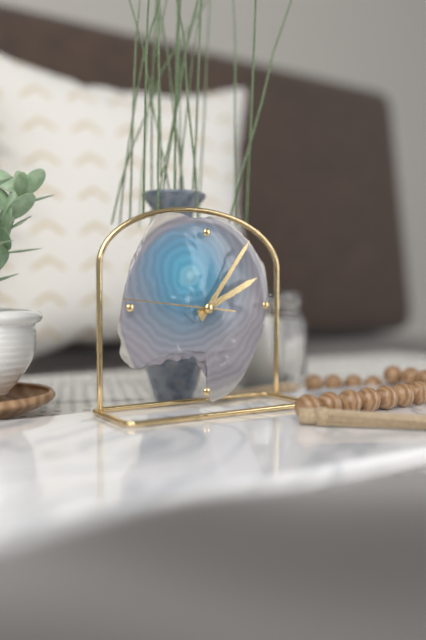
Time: {"hour": 2, "minute": 6, "second": 46}
